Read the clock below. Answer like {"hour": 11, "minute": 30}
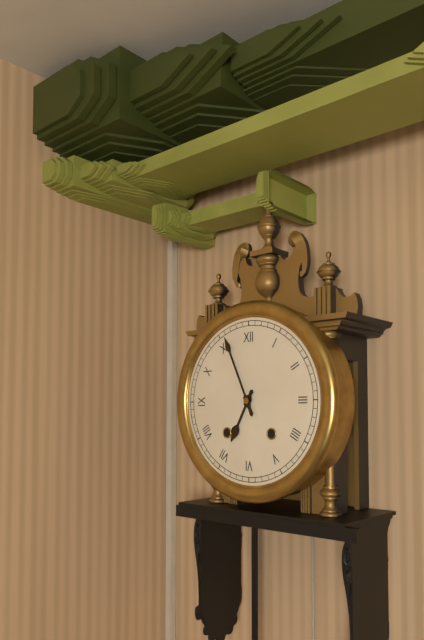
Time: {"hour": 6, "minute": 56}
